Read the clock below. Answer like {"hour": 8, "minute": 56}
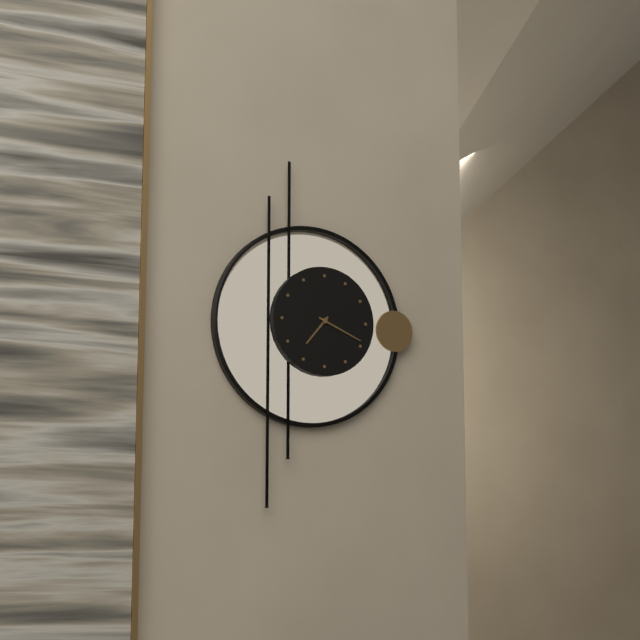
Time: {"hour": 7, "minute": 19}
